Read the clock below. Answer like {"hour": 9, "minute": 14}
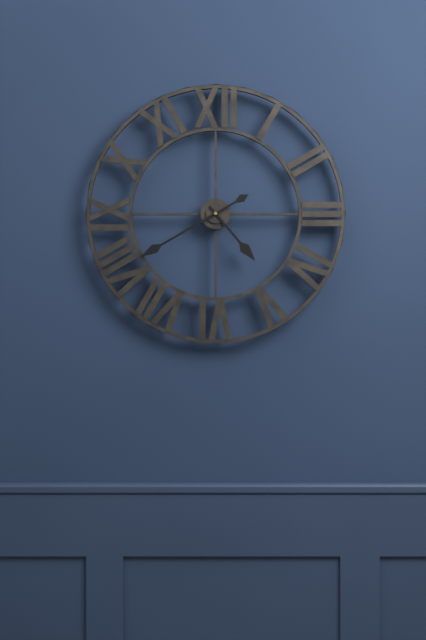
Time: {"hour": 4, "minute": 40}
